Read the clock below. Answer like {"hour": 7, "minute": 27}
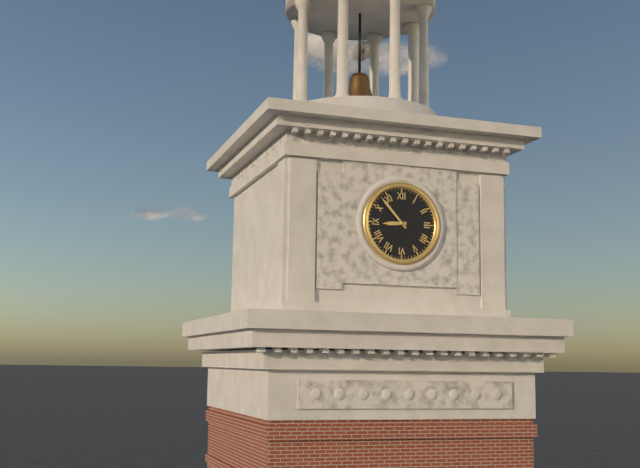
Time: {"hour": 8, "minute": 53}
